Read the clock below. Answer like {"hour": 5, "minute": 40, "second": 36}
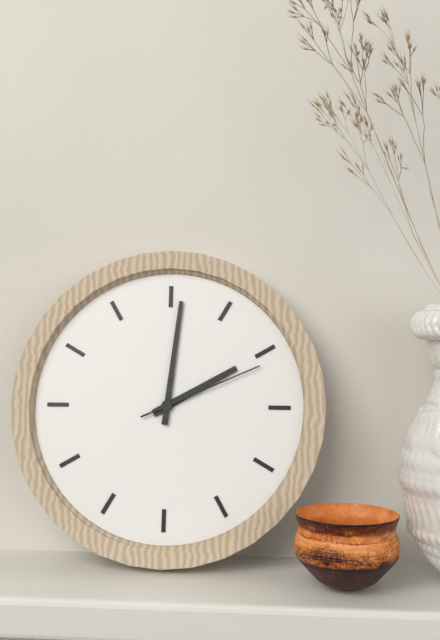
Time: {"hour": 2, "minute": 1, "second": 11}
